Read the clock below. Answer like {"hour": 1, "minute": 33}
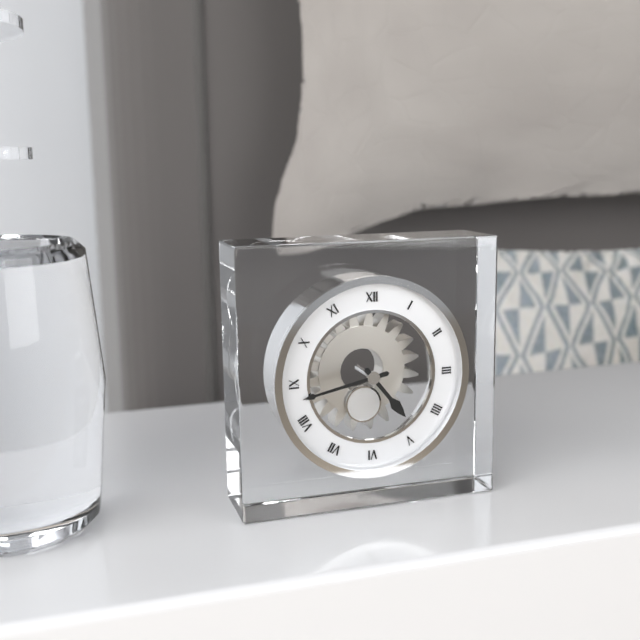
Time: {"hour": 4, "minute": 43}
